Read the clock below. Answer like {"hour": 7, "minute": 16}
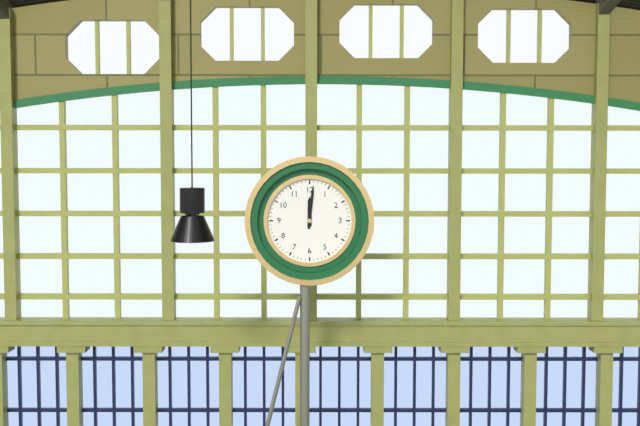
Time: {"hour": 12, "minute": 1}
